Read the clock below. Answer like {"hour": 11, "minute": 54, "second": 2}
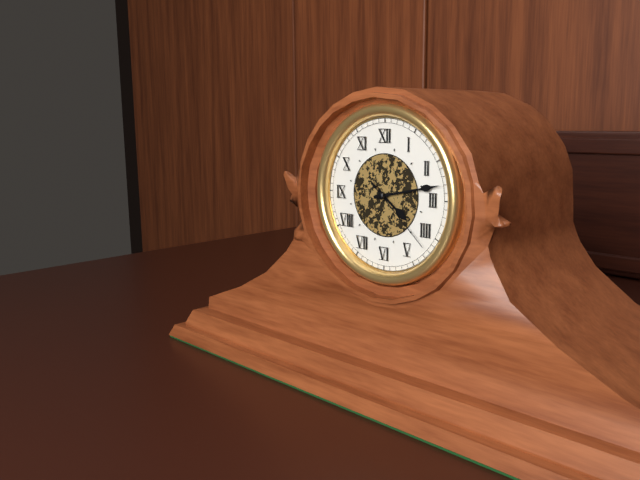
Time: {"hour": 4, "minute": 13, "second": 22}
